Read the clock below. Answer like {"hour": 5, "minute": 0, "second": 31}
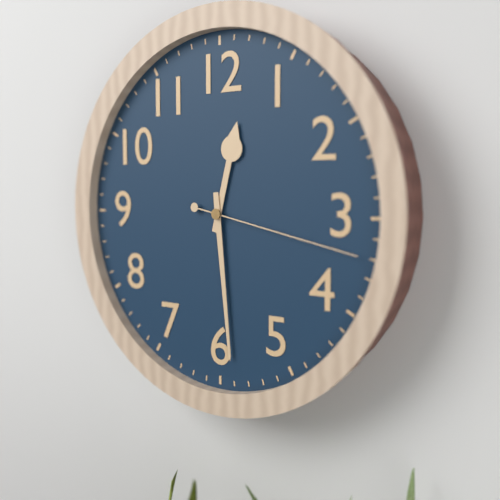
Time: {"hour": 12, "minute": 29, "second": 17}
